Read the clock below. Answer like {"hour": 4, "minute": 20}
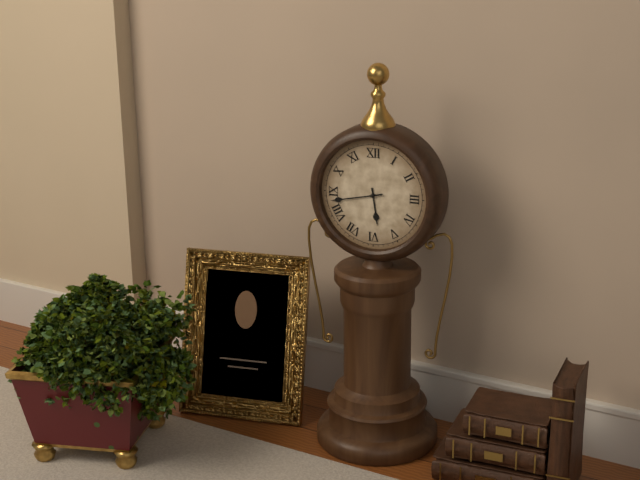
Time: {"hour": 5, "minute": 43}
